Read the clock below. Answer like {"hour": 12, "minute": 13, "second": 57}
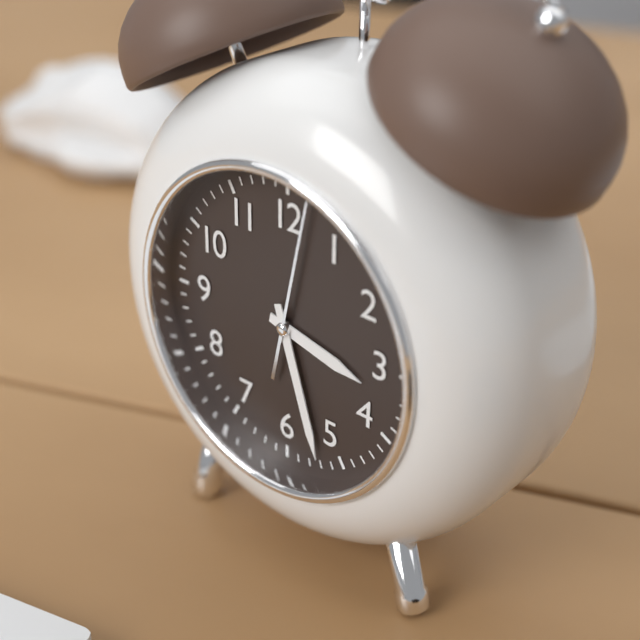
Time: {"hour": 3, "minute": 27, "second": 2}
